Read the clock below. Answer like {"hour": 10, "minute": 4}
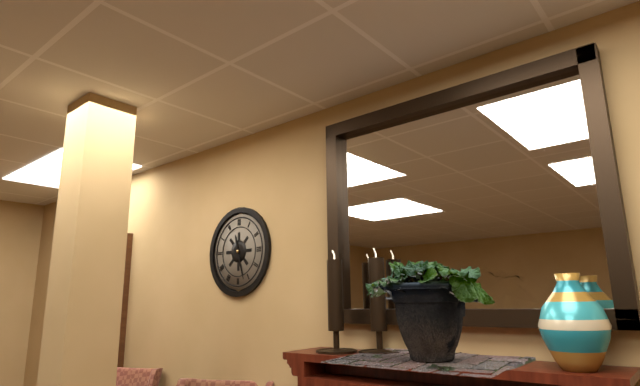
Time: {"hour": 11, "minute": 27}
